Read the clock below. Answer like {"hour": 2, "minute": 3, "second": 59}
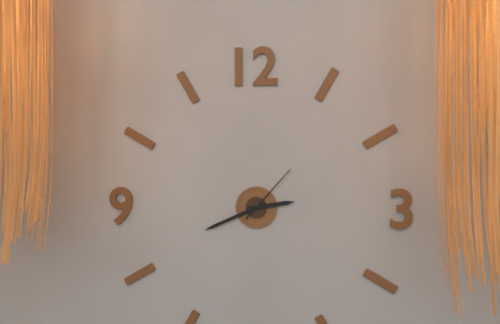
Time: {"hour": 2, "minute": 41, "second": 7}
